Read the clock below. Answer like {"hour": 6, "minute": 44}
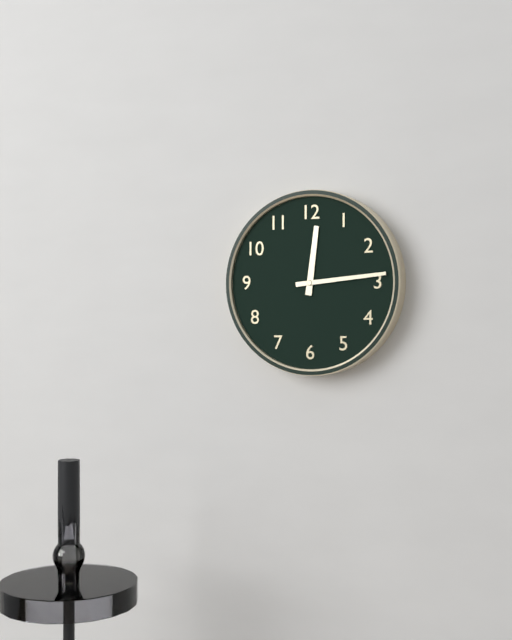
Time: {"hour": 12, "minute": 14}
